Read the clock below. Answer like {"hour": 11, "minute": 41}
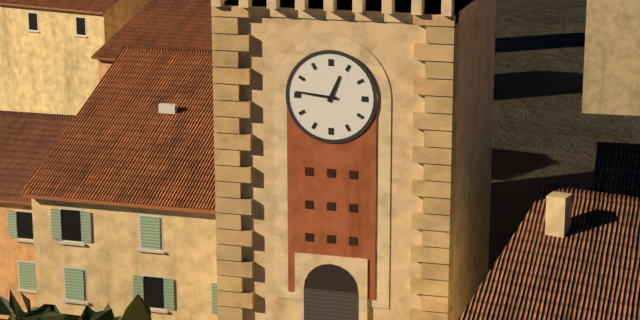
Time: {"hour": 12, "minute": 46}
